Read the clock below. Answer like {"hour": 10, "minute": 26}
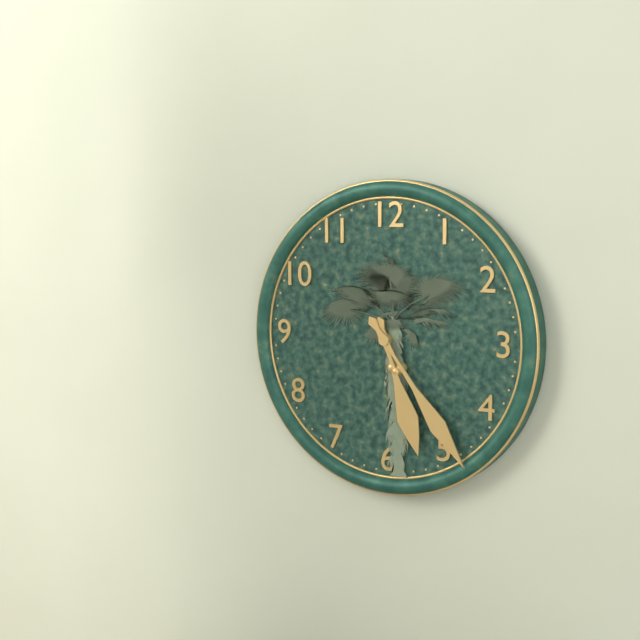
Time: {"hour": 5, "minute": 24}
